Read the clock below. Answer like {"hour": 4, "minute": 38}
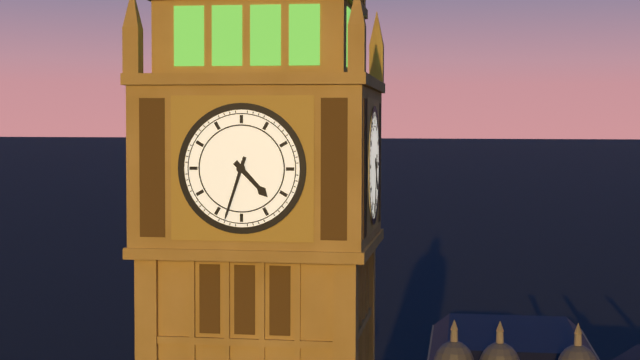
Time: {"hour": 4, "minute": 33}
